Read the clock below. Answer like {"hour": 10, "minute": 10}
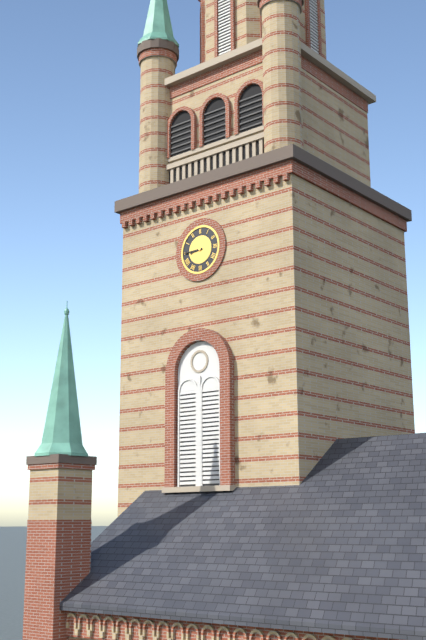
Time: {"hour": 8, "minute": 45}
